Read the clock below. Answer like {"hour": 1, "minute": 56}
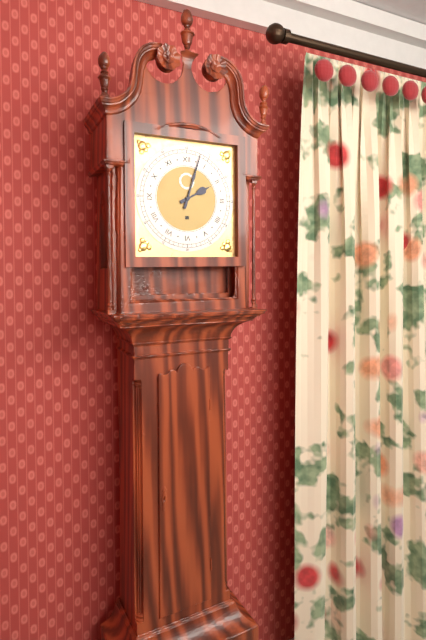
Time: {"hour": 2, "minute": 3}
